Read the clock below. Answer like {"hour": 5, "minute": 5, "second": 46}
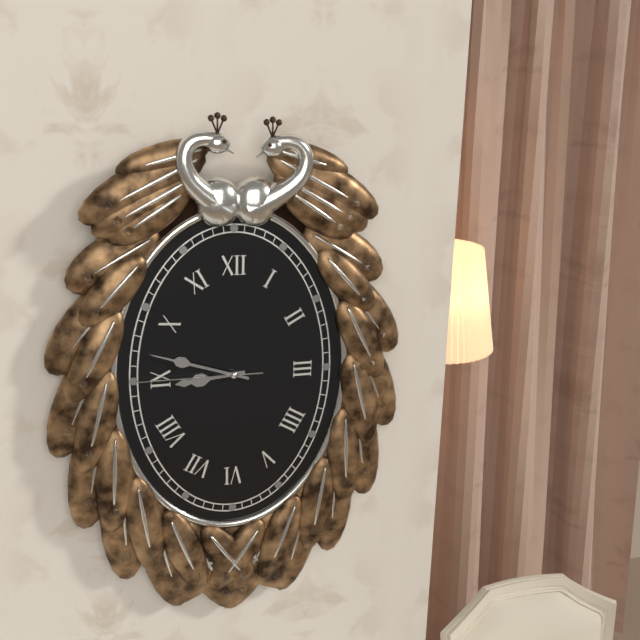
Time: {"hour": 8, "minute": 48, "second": 45}
